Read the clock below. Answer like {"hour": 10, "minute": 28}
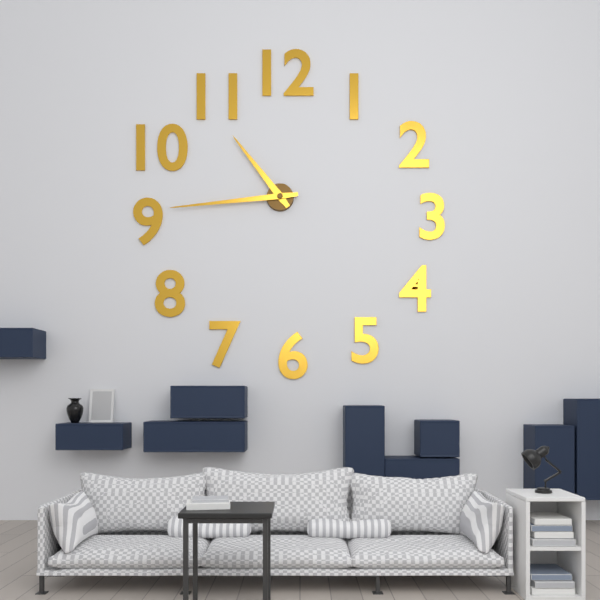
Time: {"hour": 10, "minute": 44}
